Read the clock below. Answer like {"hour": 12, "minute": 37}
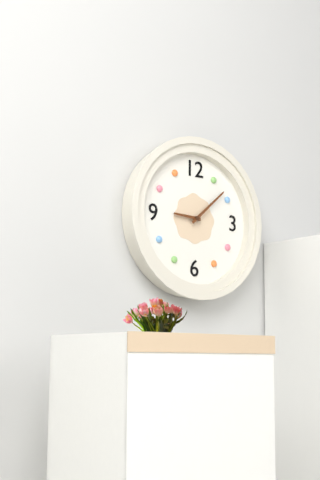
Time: {"hour": 9, "minute": 8}
